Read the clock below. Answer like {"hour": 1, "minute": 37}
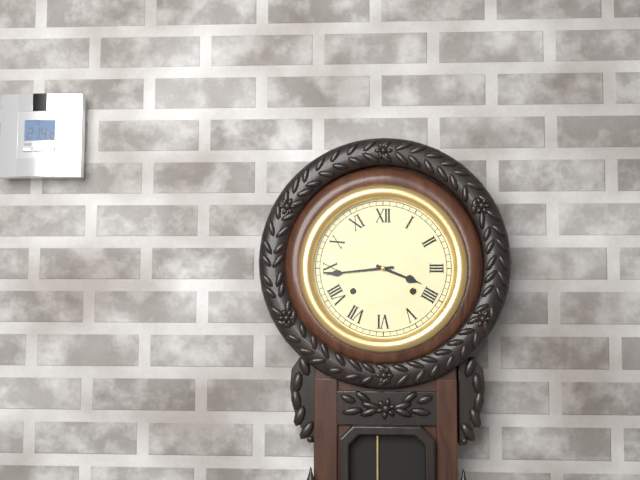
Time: {"hour": 3, "minute": 44}
